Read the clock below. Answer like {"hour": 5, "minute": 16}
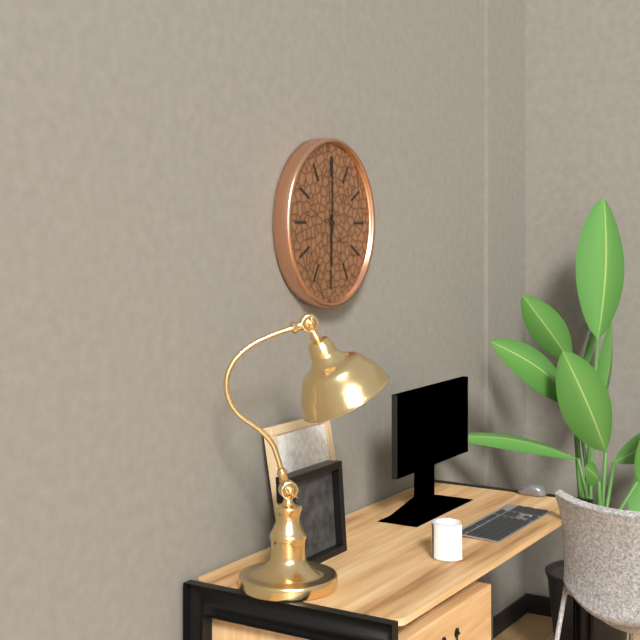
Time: {"hour": 6, "minute": 0}
